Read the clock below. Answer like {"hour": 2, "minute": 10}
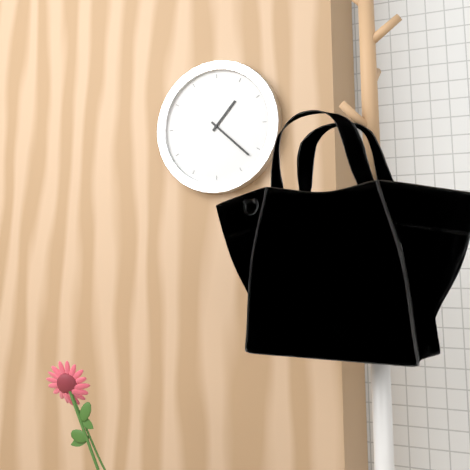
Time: {"hour": 1, "minute": 22}
